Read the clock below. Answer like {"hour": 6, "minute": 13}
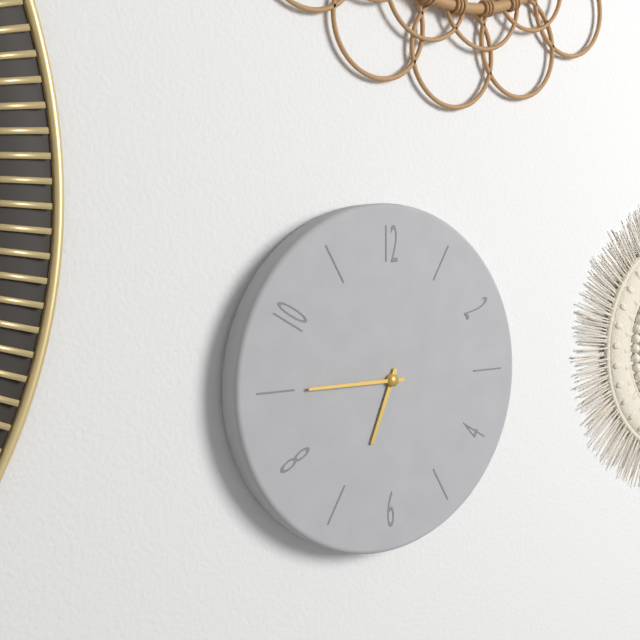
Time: {"hour": 6, "minute": 45}
